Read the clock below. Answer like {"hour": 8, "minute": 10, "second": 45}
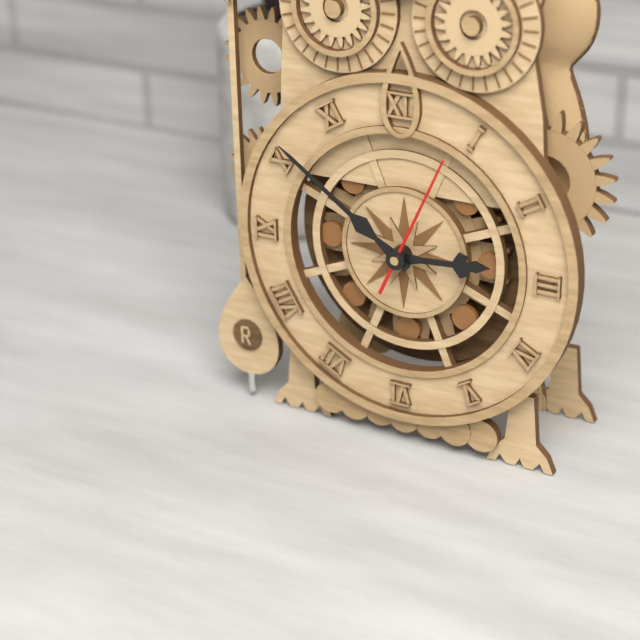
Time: {"hour": 2, "minute": 51, "second": 4}
